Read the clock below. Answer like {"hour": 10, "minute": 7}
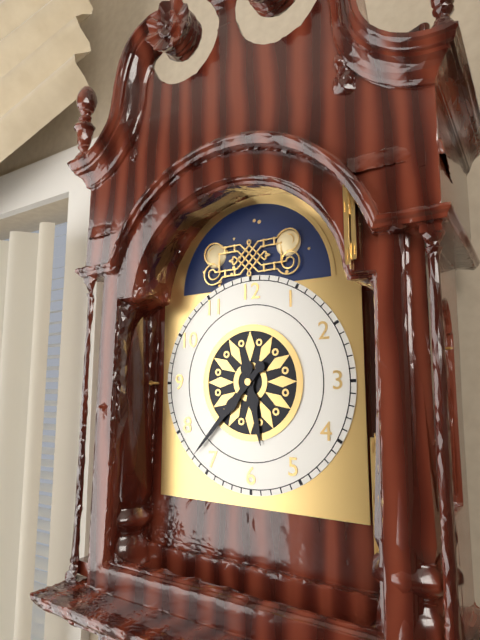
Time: {"hour": 5, "minute": 37}
